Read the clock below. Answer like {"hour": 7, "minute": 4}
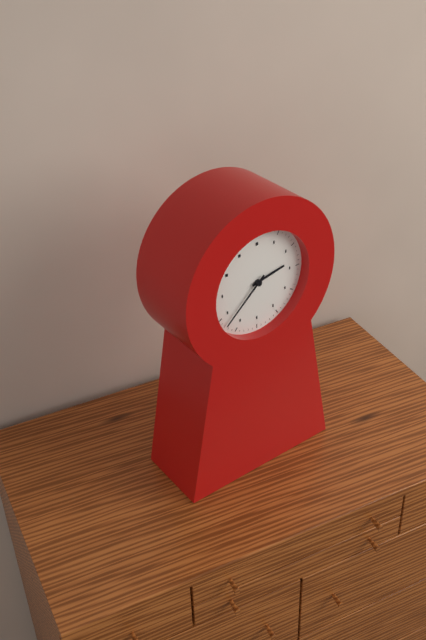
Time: {"hour": 2, "minute": 38}
